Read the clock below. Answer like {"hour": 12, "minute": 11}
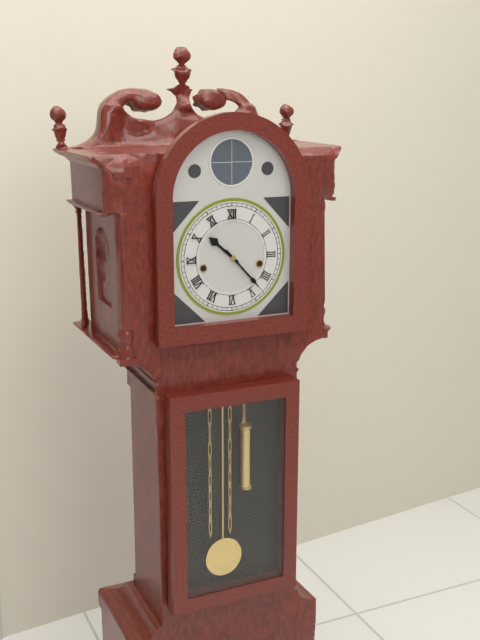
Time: {"hour": 10, "minute": 23}
